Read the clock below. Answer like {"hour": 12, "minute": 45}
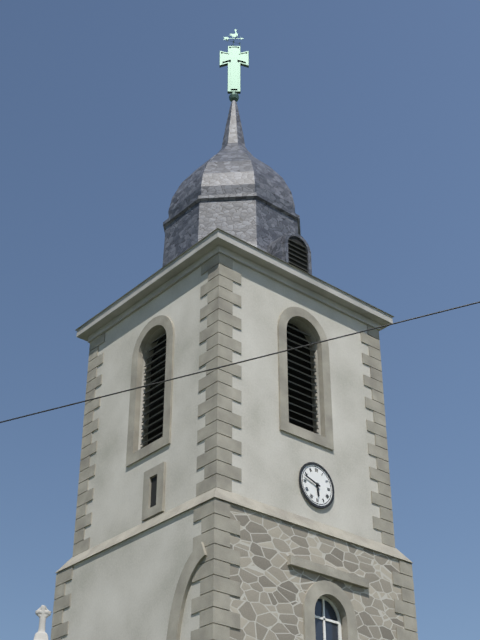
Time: {"hour": 5, "minute": 48}
